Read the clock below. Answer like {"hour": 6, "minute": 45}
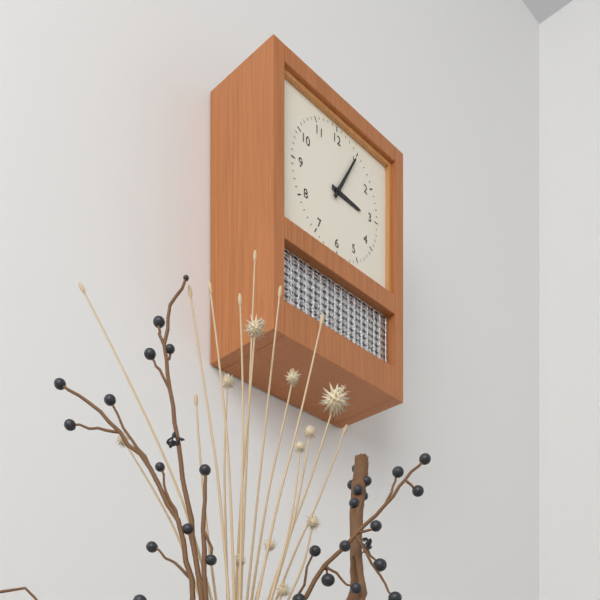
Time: {"hour": 3, "minute": 5}
